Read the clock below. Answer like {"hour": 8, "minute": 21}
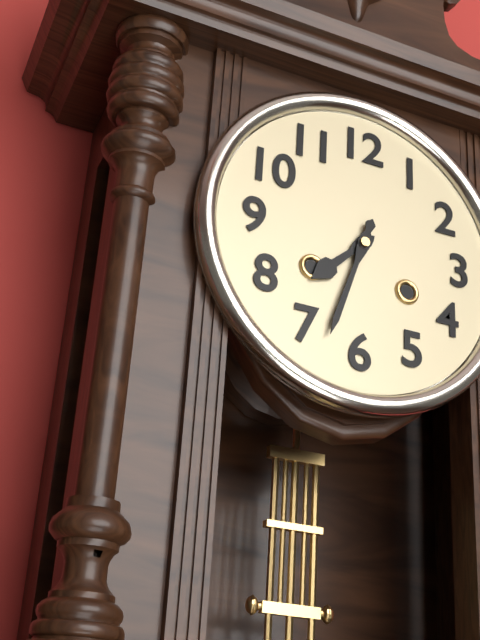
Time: {"hour": 7, "minute": 33}
